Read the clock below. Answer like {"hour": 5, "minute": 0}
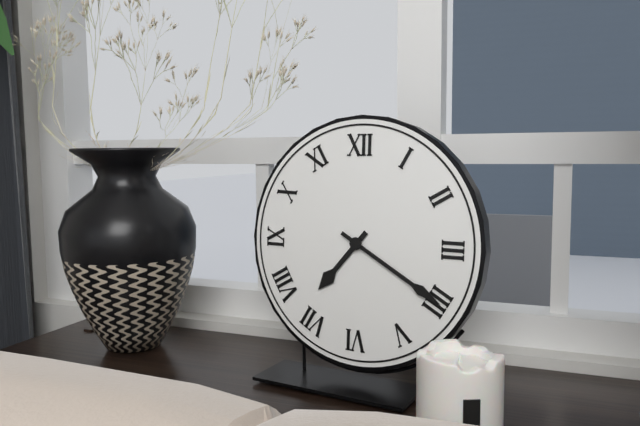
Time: {"hour": 7, "minute": 20}
